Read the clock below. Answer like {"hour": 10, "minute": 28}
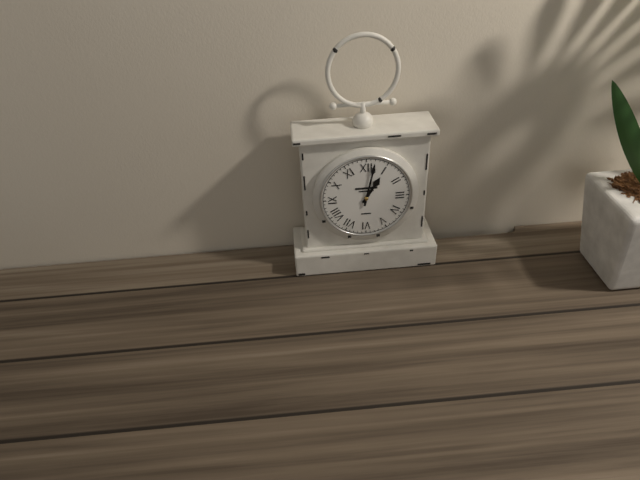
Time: {"hour": 1, "minute": 2}
